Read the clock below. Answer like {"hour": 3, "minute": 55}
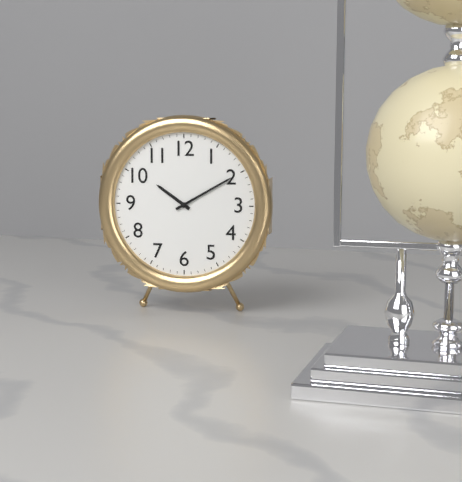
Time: {"hour": 10, "minute": 10}
